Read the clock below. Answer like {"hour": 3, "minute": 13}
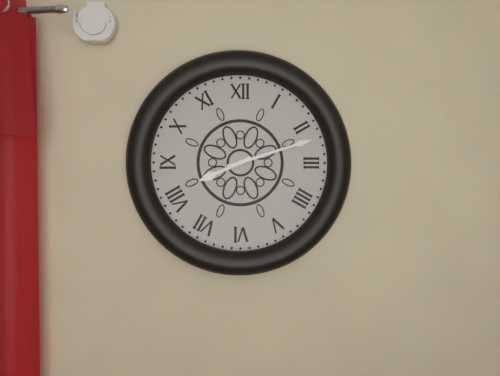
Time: {"hour": 8, "minute": 12}
